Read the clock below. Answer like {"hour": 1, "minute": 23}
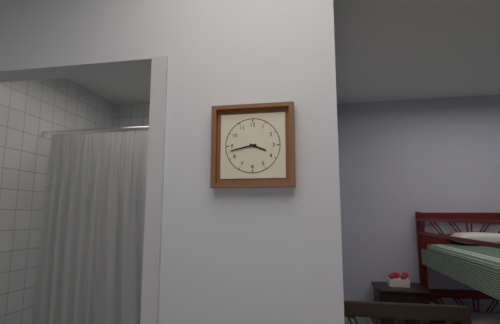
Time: {"hour": 3, "minute": 43}
